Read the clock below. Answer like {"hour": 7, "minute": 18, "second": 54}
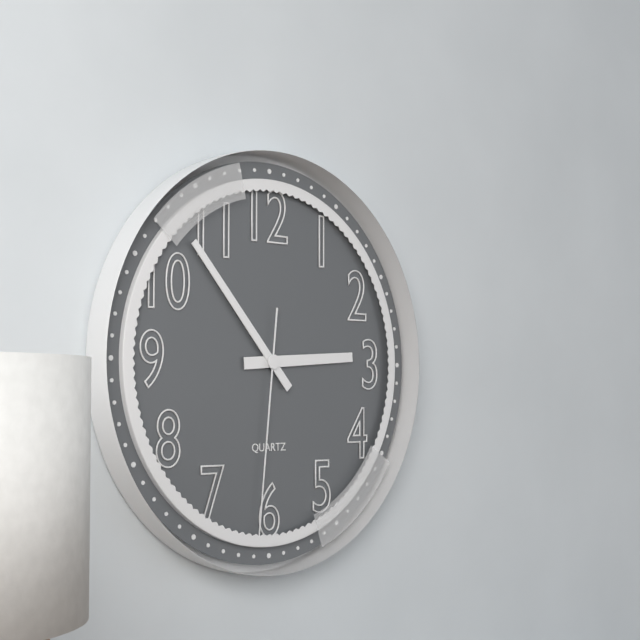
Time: {"hour": 2, "minute": 53, "second": 31}
